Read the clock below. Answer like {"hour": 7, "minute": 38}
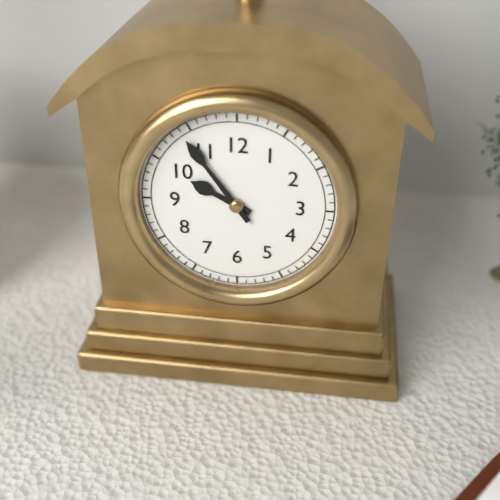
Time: {"hour": 9, "minute": 54}
